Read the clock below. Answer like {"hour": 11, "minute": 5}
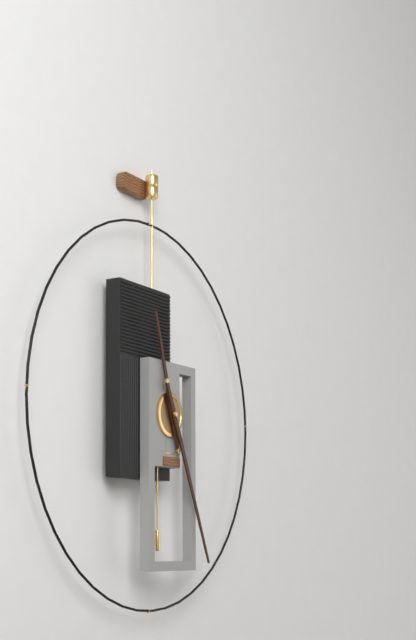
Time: {"hour": 11, "minute": 26}
